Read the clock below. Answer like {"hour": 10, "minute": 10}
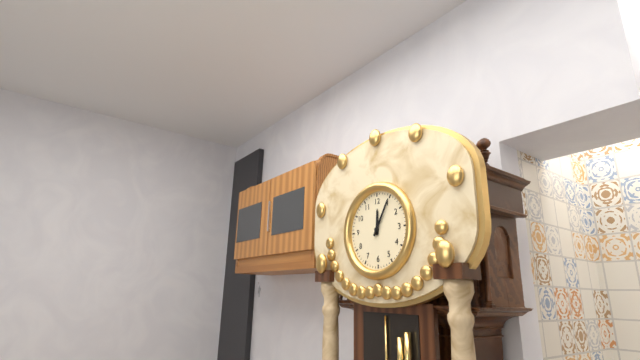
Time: {"hour": 12, "minute": 5}
